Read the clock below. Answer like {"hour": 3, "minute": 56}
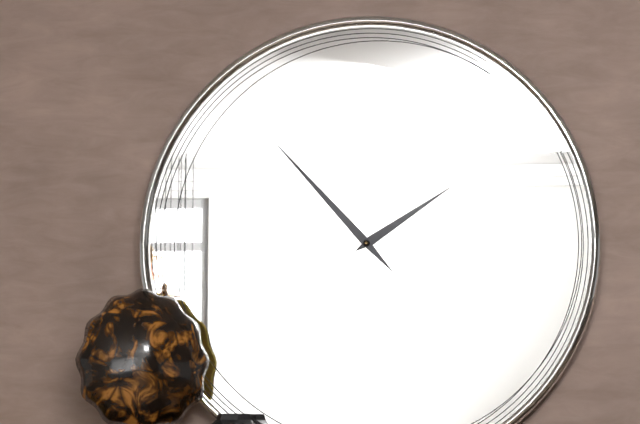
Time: {"hour": 1, "minute": 53}
